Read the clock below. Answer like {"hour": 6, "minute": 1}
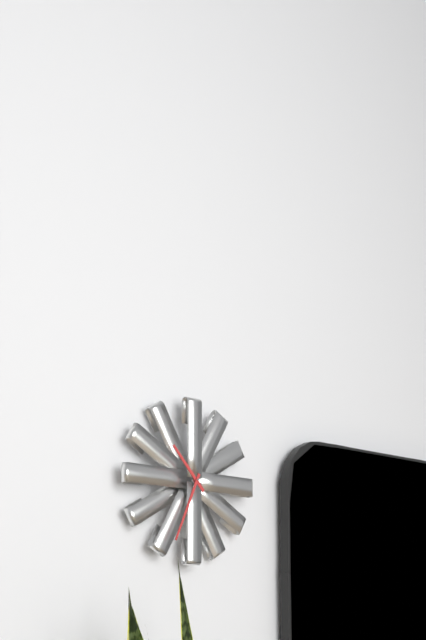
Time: {"hour": 10, "minute": 34}
